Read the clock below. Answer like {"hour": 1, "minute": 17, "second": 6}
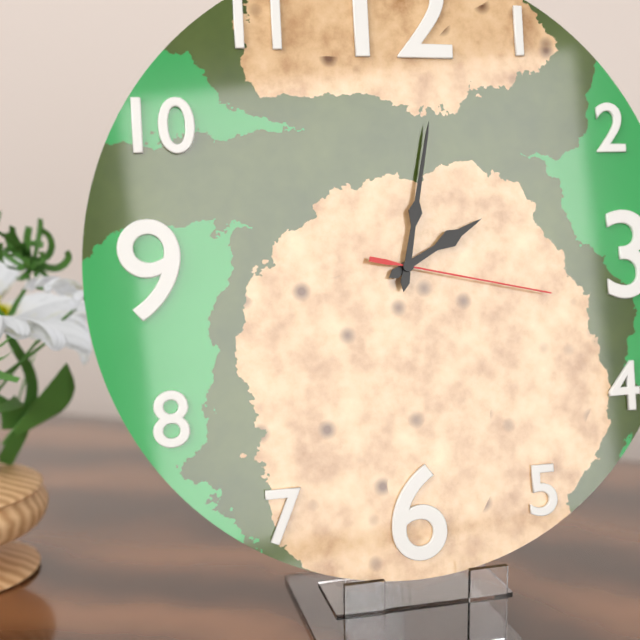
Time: {"hour": 2, "minute": 2, "second": 17}
